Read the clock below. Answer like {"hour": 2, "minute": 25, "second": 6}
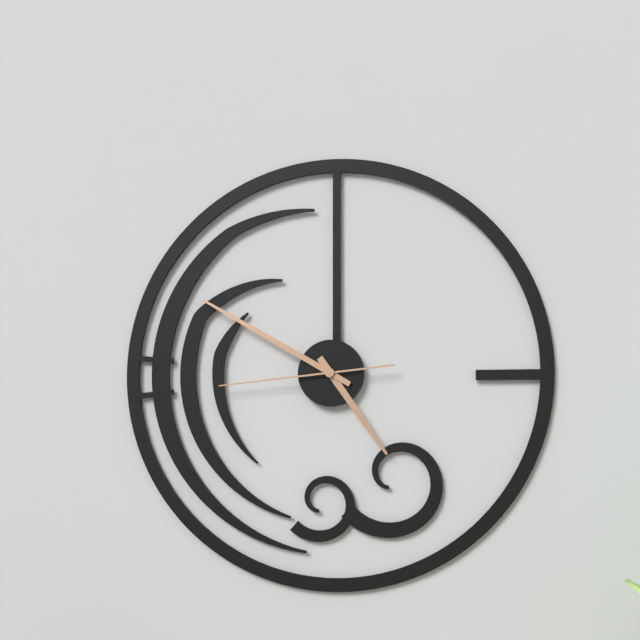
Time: {"hour": 4, "minute": 50, "second": 44}
